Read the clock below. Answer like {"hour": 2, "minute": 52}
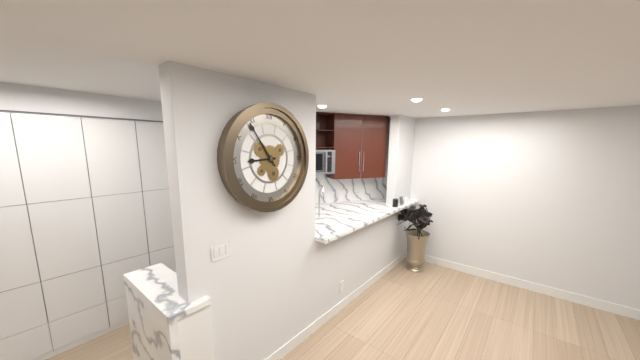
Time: {"hour": 8, "minute": 54}
